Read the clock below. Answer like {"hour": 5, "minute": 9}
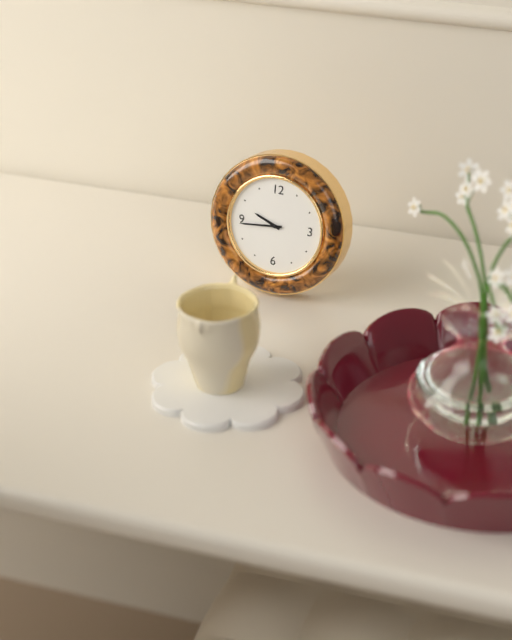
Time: {"hour": 9, "minute": 44}
